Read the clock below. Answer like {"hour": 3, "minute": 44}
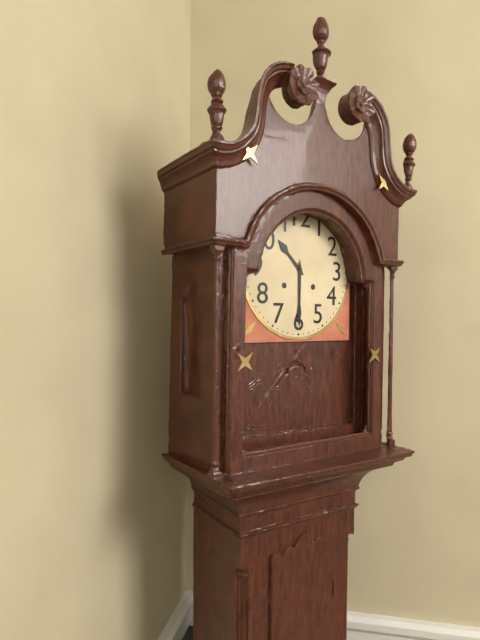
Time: {"hour": 10, "minute": 30}
